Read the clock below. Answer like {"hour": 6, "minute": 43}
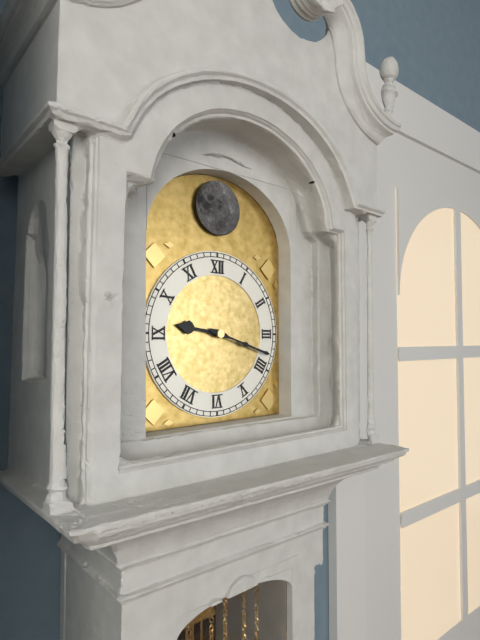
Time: {"hour": 9, "minute": 18}
